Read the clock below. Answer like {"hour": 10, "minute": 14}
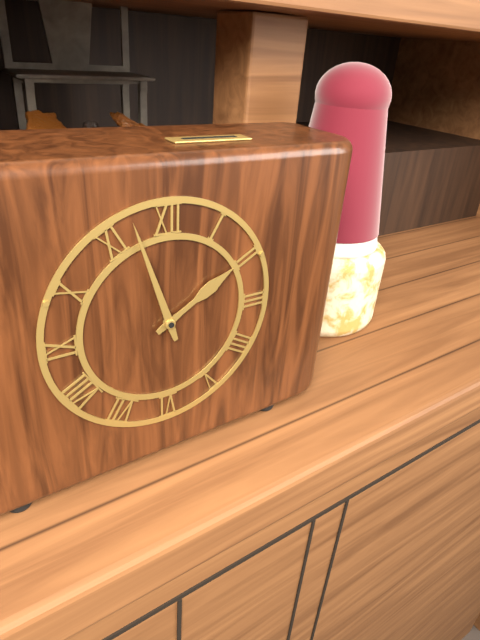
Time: {"hour": 1, "minute": 57}
